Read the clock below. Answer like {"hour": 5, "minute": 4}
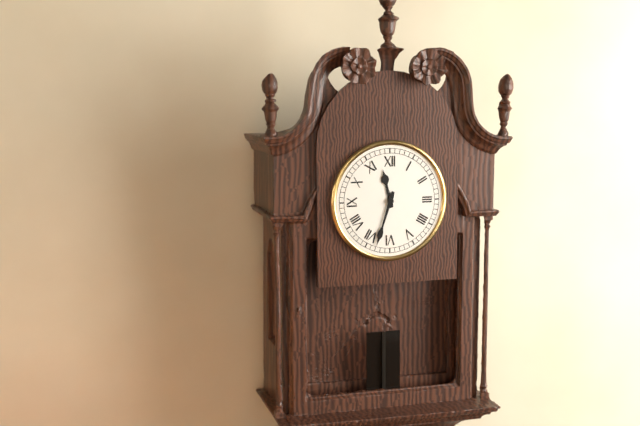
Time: {"hour": 11, "minute": 33}
